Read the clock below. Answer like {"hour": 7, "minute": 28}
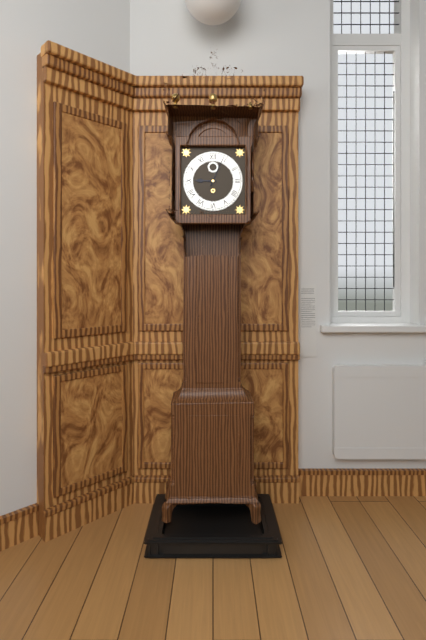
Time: {"hour": 9, "minute": 4}
